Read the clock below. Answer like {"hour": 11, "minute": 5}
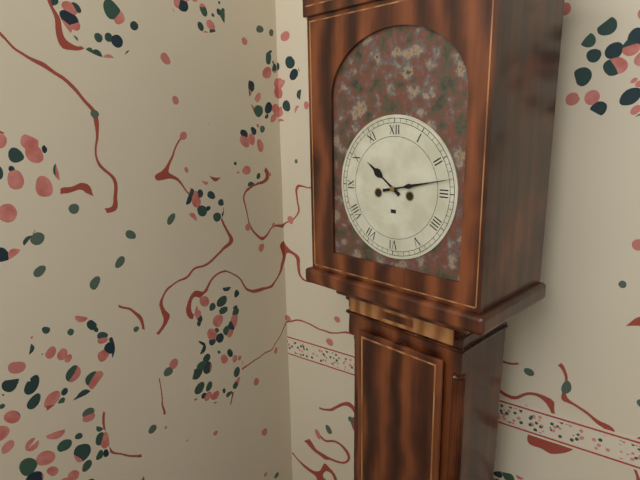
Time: {"hour": 10, "minute": 13}
